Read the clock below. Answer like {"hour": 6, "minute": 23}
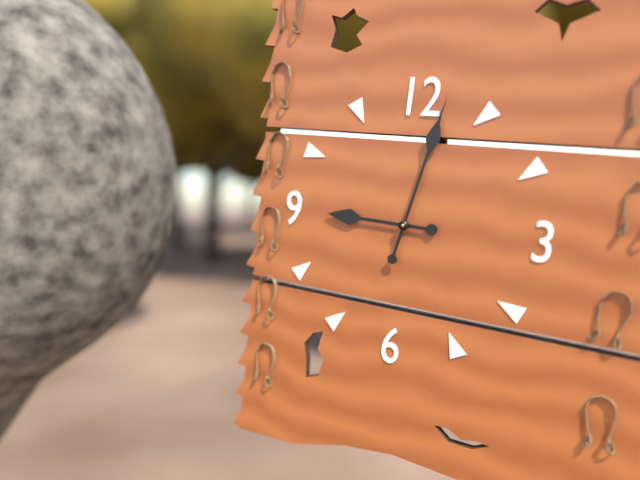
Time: {"hour": 9, "minute": 2}
